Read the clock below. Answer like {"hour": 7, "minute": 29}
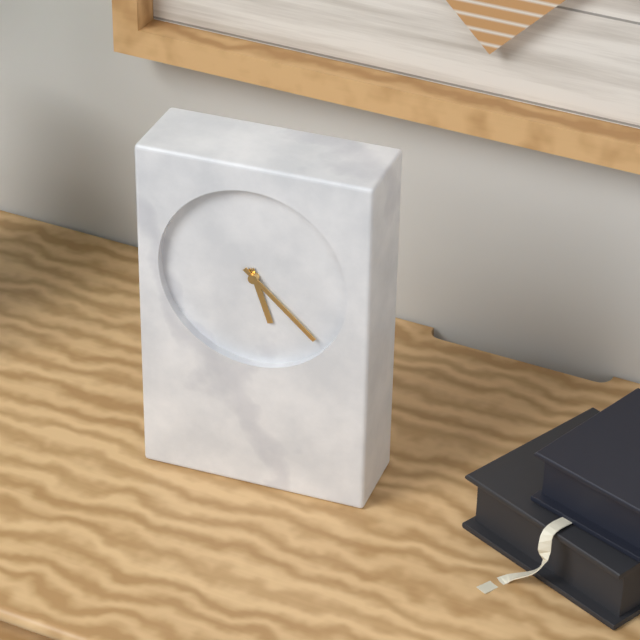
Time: {"hour": 5, "minute": 22}
